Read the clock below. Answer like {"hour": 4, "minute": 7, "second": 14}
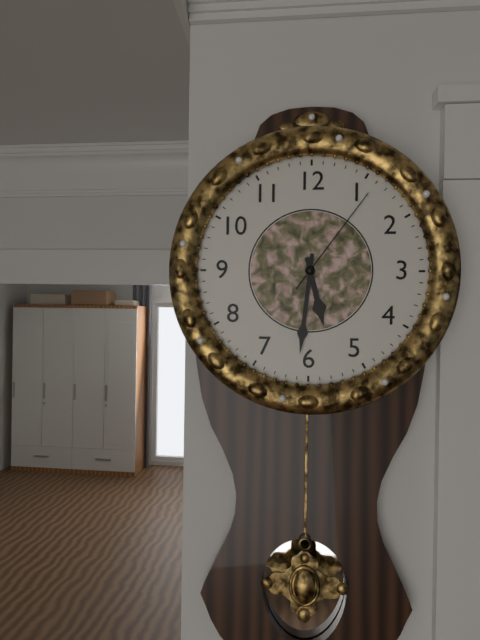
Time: {"hour": 5, "minute": 31, "second": 6}
